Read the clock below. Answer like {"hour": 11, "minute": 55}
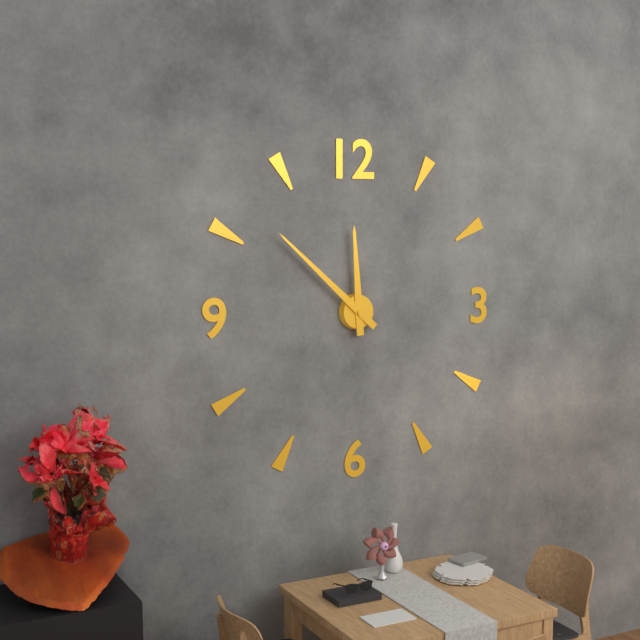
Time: {"hour": 11, "minute": 52}
